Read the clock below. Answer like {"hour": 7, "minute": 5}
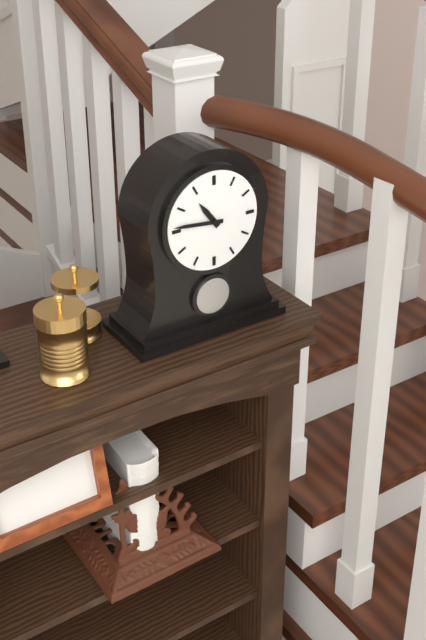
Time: {"hour": 10, "minute": 46}
